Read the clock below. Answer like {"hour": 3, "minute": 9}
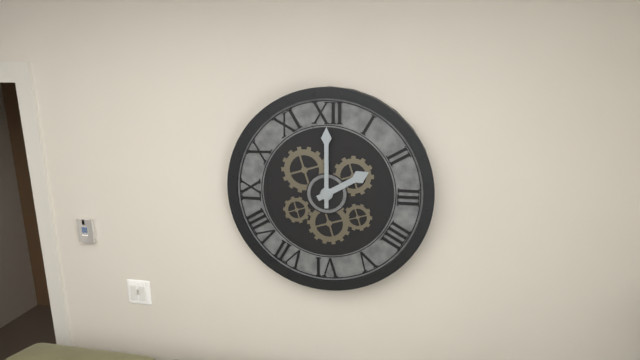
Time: {"hour": 2, "minute": 0}
